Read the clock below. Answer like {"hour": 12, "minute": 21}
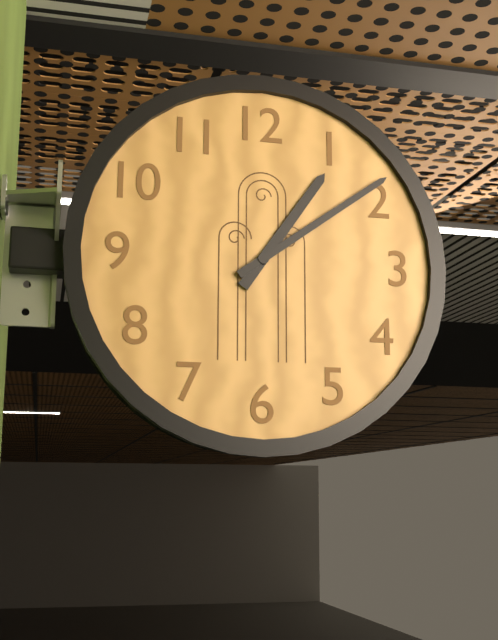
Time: {"hour": 1, "minute": 9}
